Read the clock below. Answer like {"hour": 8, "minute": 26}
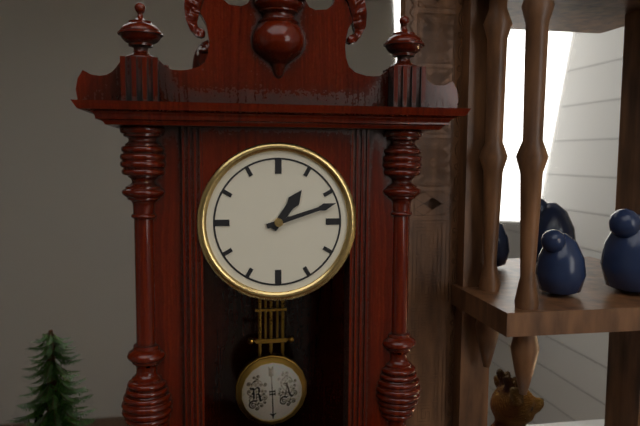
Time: {"hour": 1, "minute": 12}
